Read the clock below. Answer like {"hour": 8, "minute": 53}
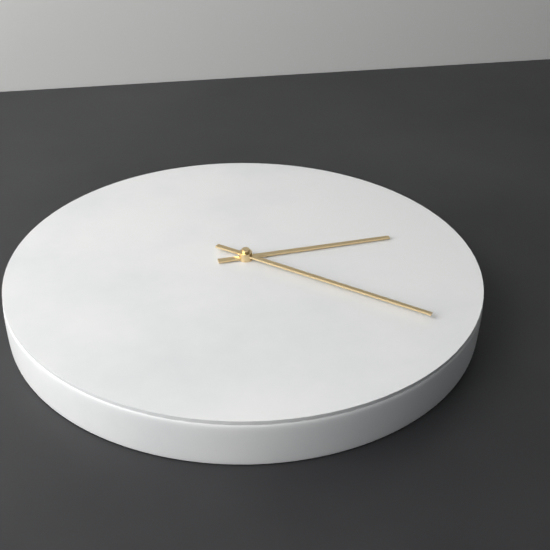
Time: {"hour": 1, "minute": 14}
